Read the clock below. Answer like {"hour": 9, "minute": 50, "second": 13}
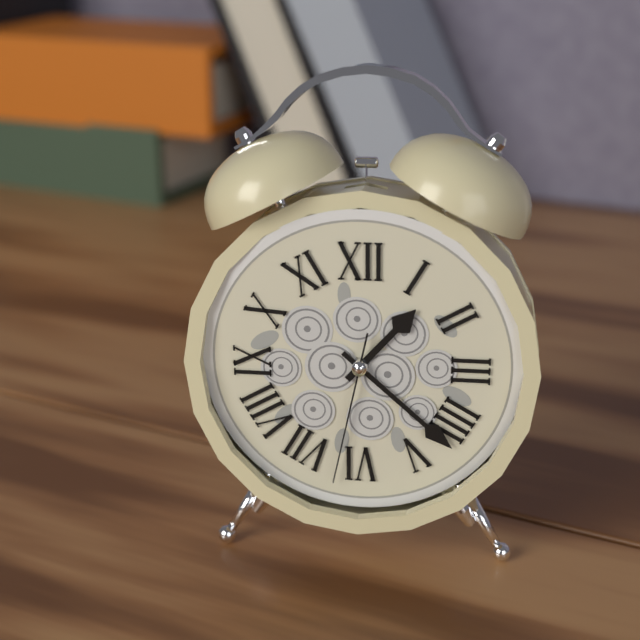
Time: {"hour": 1, "minute": 22, "second": 32}
